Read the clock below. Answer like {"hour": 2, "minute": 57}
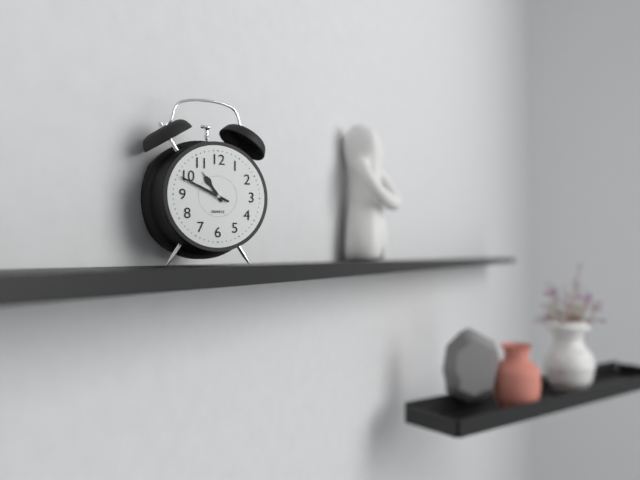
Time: {"hour": 10, "minute": 49}
